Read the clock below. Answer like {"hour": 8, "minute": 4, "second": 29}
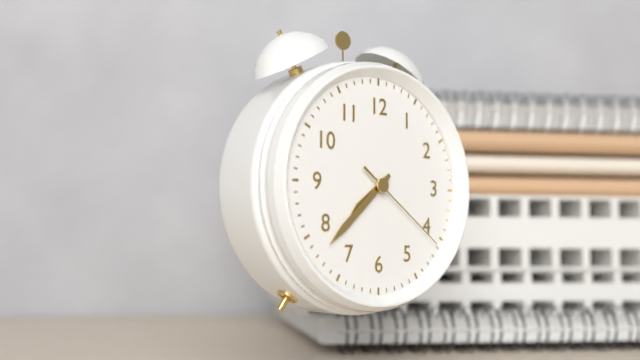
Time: {"hour": 7, "minute": 38, "second": 21}
